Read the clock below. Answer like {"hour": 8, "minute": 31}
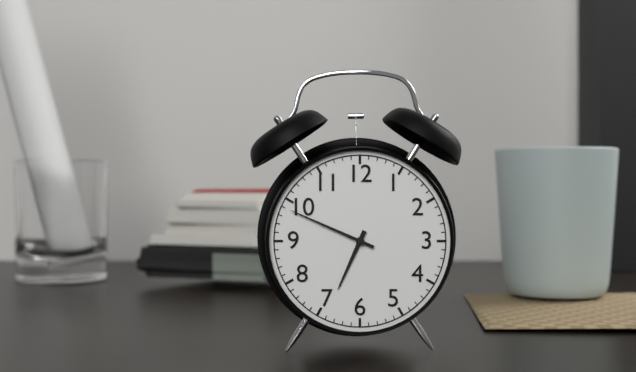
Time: {"hour": 6, "minute": 49}
